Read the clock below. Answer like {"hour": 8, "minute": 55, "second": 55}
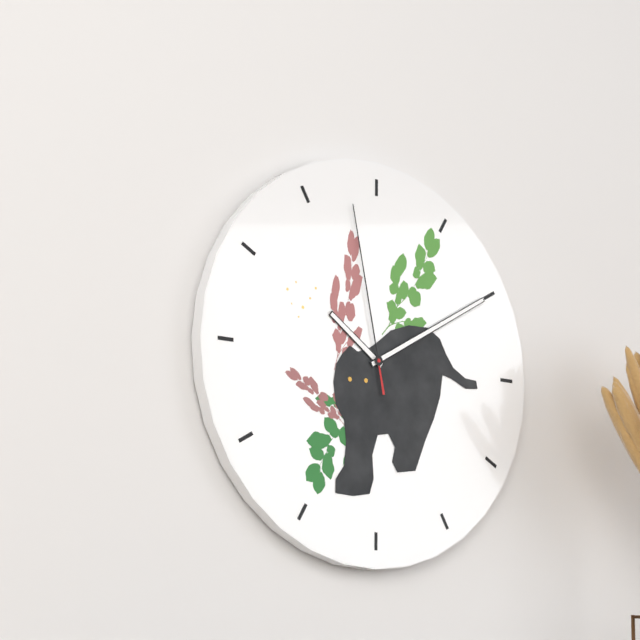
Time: {"hour": 10, "minute": 10, "second": 58}
